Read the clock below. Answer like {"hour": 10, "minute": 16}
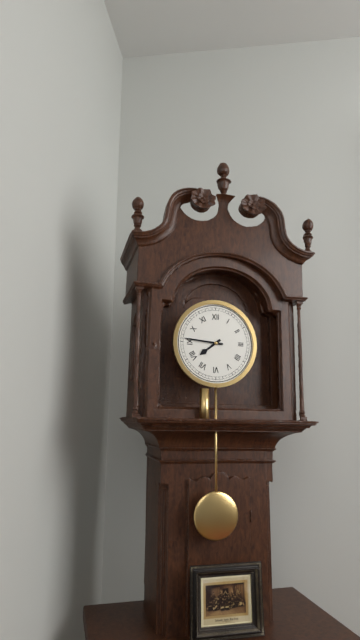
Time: {"hour": 7, "minute": 46}
